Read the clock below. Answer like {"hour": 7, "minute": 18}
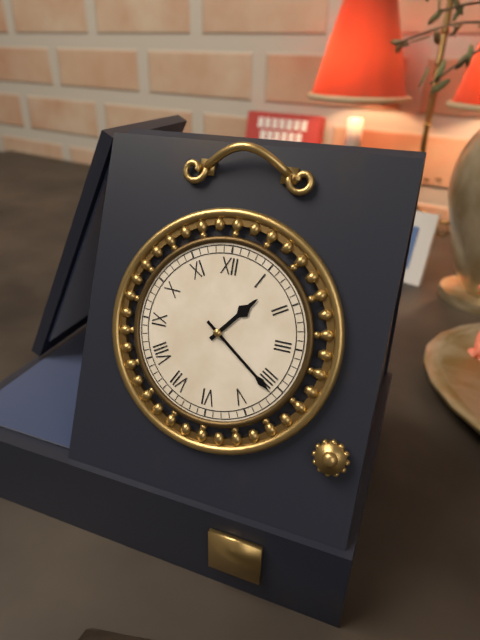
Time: {"hour": 1, "minute": 21}
